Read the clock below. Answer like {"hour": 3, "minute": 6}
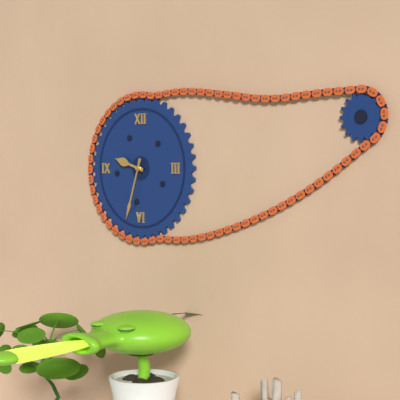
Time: {"hour": 9, "minute": 33}
